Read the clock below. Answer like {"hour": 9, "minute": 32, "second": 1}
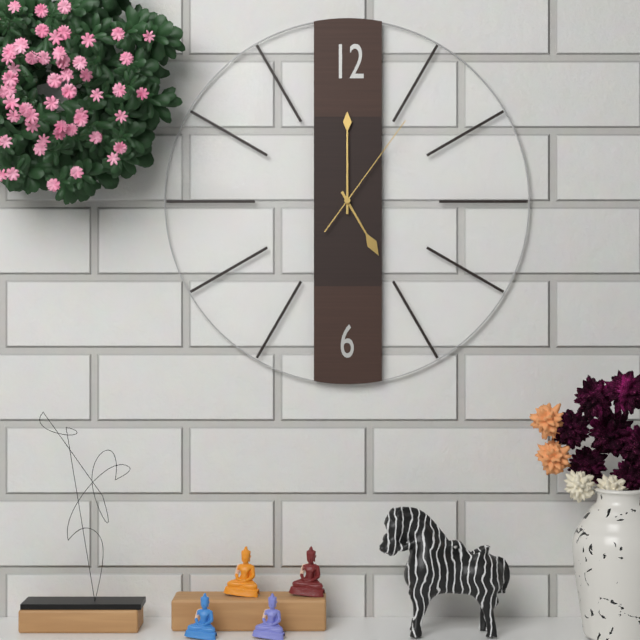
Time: {"hour": 5, "minute": 0, "second": 6}
